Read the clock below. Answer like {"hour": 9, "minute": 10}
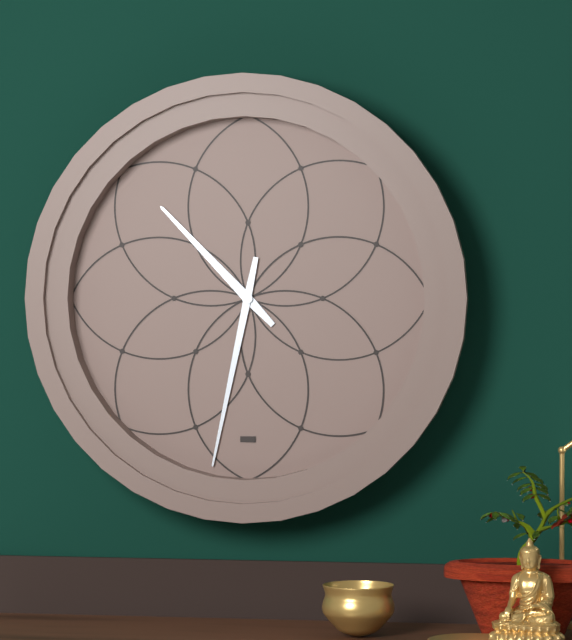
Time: {"hour": 10, "minute": 32}
